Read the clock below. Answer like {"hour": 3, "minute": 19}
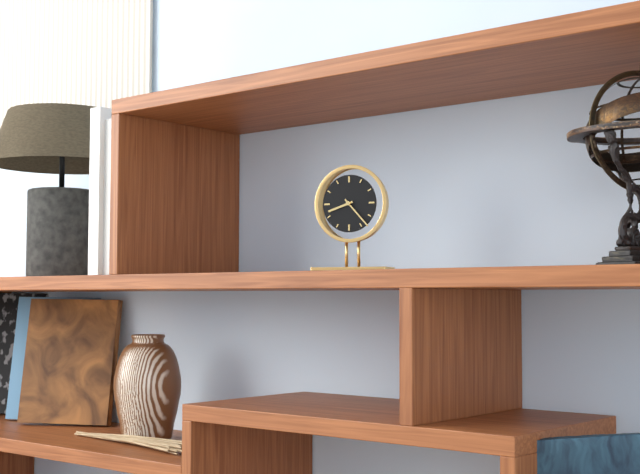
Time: {"hour": 8, "minute": 23}
